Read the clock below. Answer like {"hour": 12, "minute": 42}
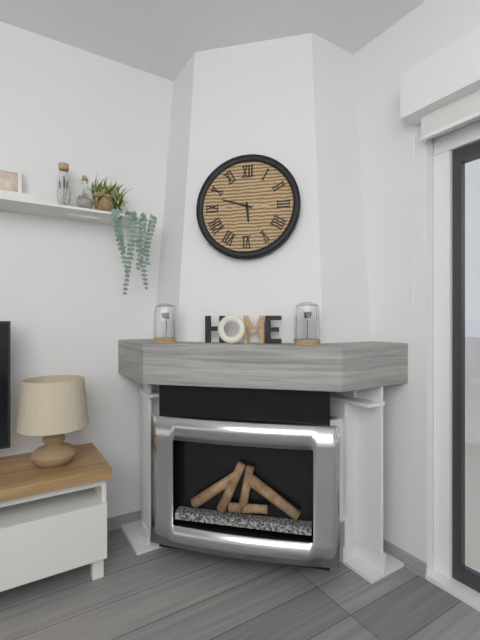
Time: {"hour": 5, "minute": 48}
